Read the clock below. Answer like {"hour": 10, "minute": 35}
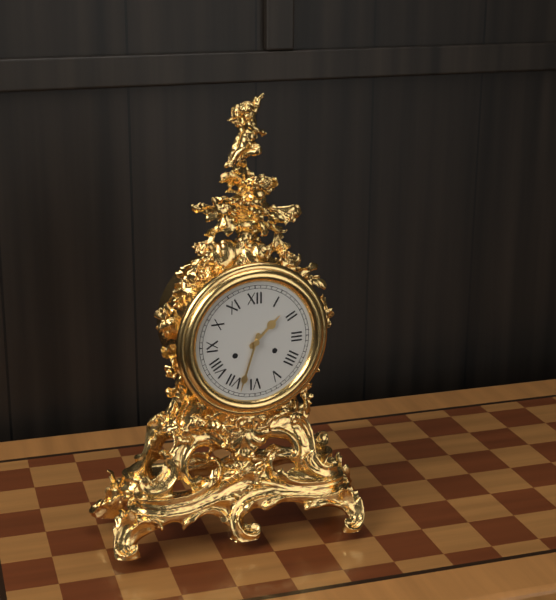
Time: {"hour": 1, "minute": 33}
